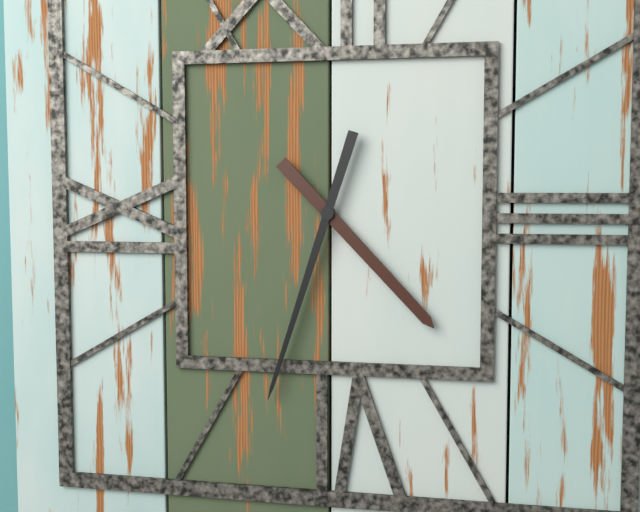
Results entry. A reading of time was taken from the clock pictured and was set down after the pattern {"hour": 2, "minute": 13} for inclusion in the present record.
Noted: {"hour": 4, "minute": 33}
